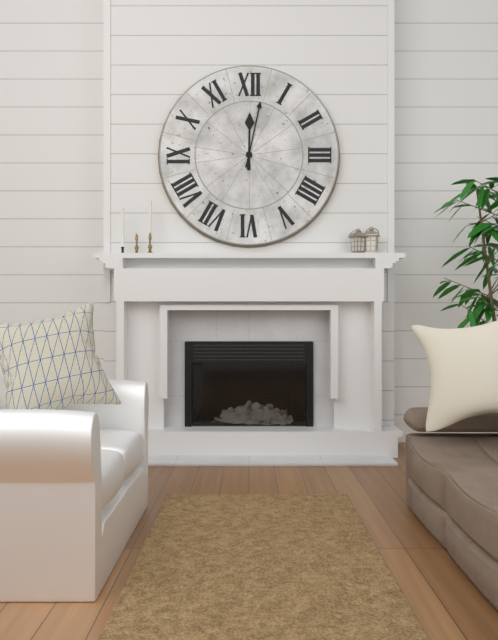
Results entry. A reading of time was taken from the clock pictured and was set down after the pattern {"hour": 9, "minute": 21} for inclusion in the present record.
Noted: {"hour": 12, "minute": 2}
